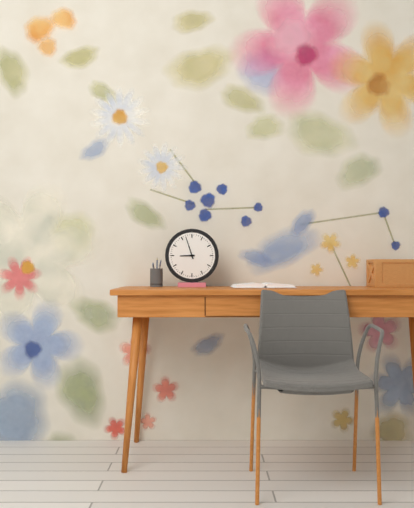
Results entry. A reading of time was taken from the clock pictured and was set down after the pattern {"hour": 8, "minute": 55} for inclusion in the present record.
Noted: {"hour": 8, "minute": 57}
